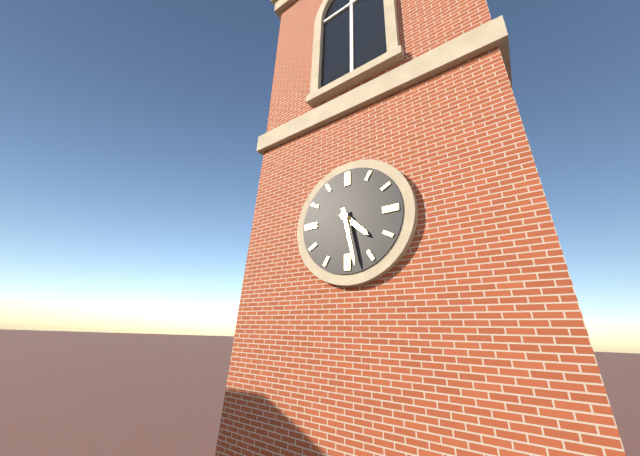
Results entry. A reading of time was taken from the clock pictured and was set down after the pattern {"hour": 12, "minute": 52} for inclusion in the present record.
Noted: {"hour": 4, "minute": 28}
